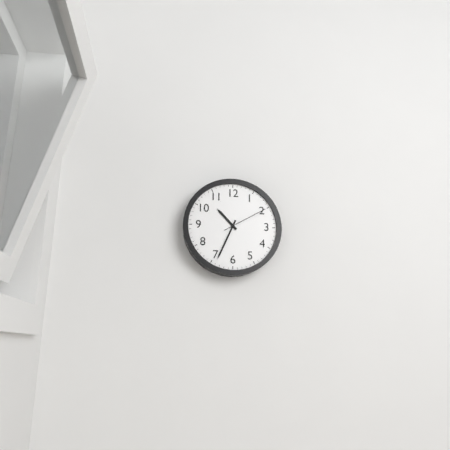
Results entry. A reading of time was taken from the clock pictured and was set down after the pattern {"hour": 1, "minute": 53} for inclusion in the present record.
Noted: {"hour": 10, "minute": 34}
